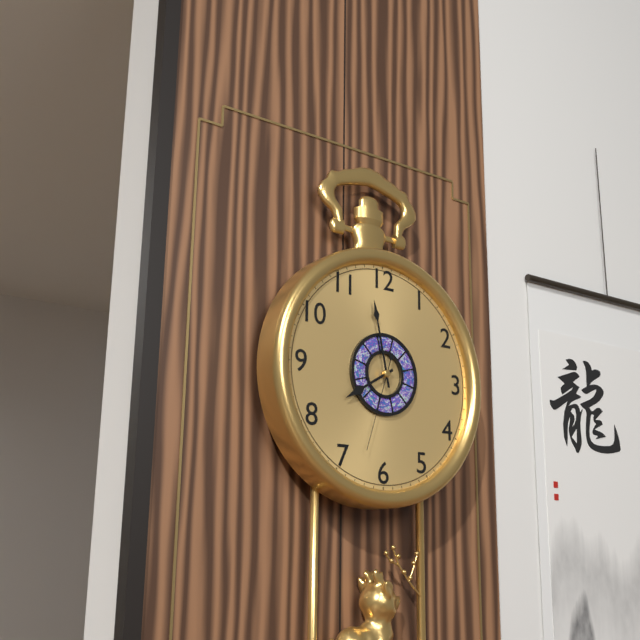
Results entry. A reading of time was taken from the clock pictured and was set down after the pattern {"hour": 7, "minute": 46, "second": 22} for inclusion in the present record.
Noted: {"hour": 7, "minute": 58, "second": 33}
